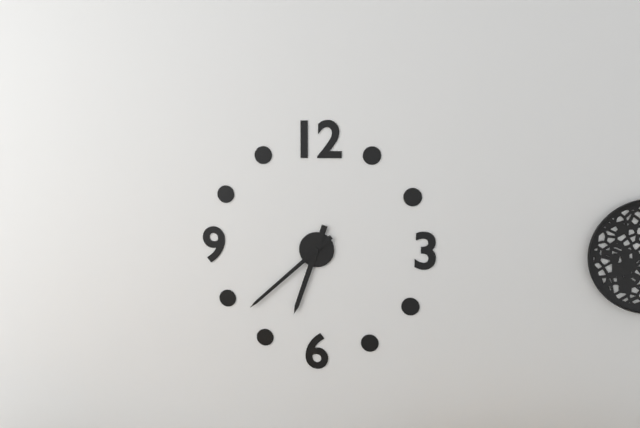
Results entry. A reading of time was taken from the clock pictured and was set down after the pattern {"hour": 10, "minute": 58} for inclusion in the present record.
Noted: {"hour": 6, "minute": 38}
